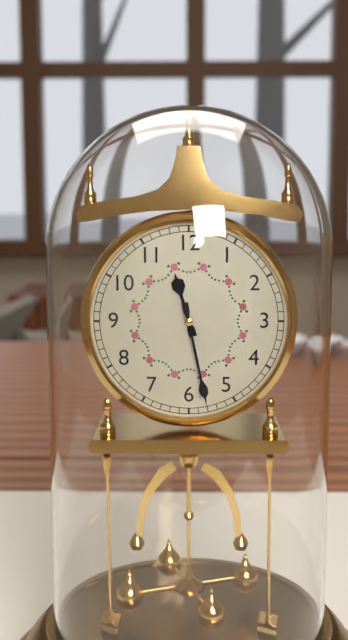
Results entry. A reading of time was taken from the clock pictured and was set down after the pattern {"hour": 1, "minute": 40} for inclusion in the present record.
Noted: {"hour": 11, "minute": 28}
